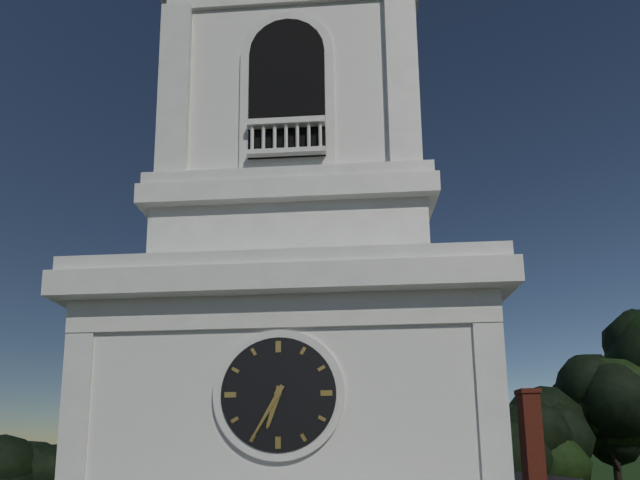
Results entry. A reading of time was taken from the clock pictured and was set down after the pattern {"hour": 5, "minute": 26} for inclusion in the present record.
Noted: {"hour": 6, "minute": 35}
